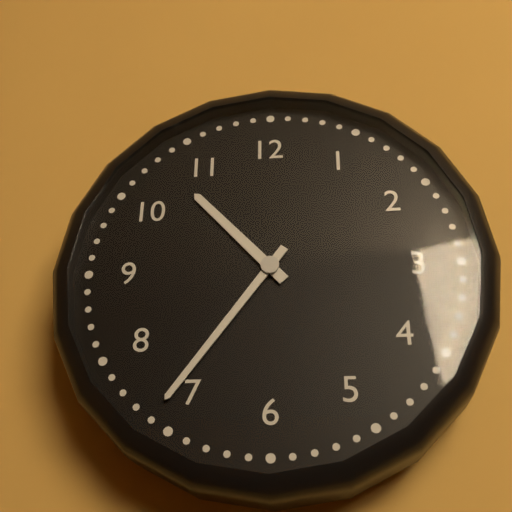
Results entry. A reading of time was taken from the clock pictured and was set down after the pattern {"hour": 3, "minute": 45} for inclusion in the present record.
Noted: {"hour": 10, "minute": 36}
